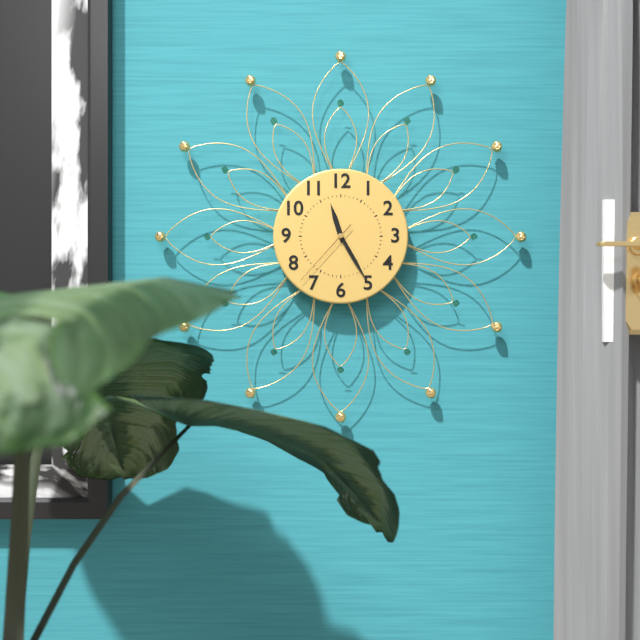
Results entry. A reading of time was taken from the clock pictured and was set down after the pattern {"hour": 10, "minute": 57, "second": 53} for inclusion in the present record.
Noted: {"hour": 11, "minute": 25, "second": 37}
